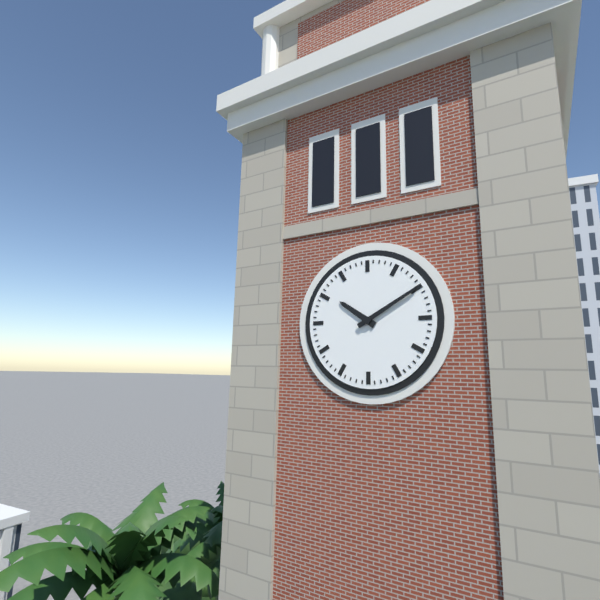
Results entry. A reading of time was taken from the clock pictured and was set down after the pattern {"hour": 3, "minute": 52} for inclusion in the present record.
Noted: {"hour": 10, "minute": 10}
